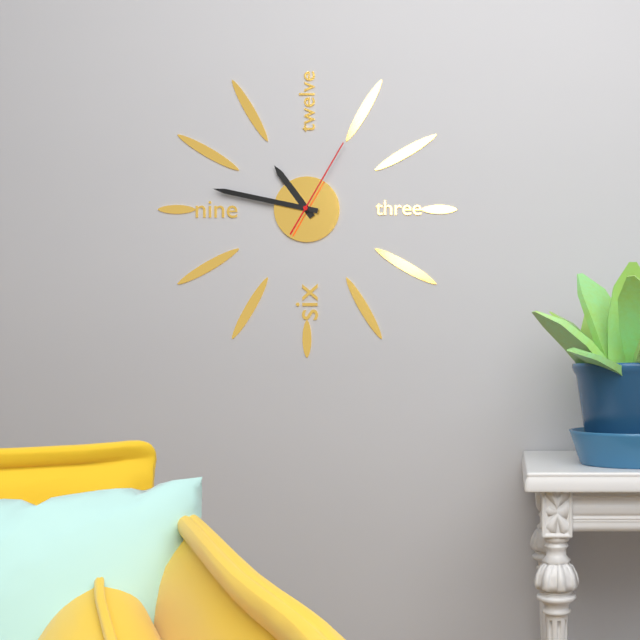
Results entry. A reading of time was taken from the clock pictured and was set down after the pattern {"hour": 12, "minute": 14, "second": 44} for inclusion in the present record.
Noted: {"hour": 10, "minute": 47, "second": 5}
